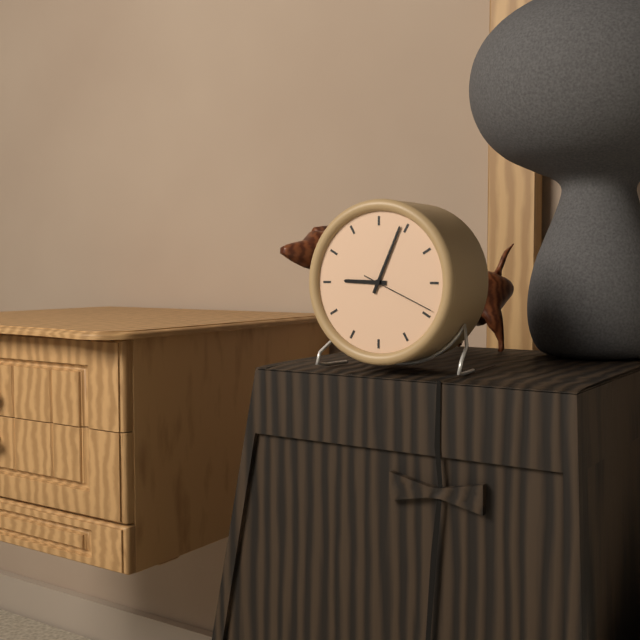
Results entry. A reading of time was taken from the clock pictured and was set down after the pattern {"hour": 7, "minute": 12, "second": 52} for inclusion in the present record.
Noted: {"hour": 9, "minute": 4, "second": 19}
